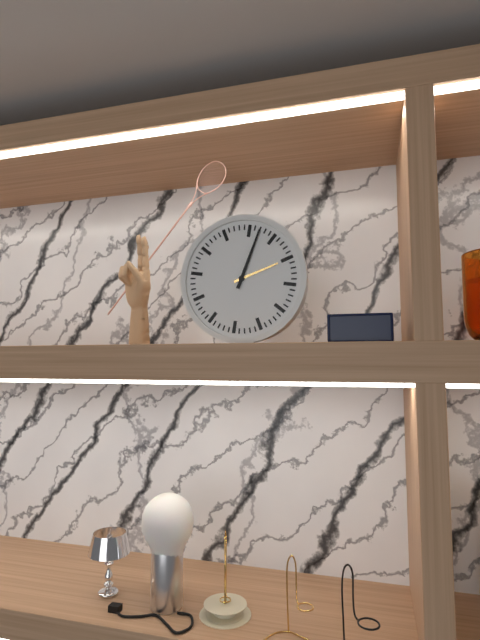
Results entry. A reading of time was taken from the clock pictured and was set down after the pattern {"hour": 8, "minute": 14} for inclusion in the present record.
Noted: {"hour": 2, "minute": 2}
